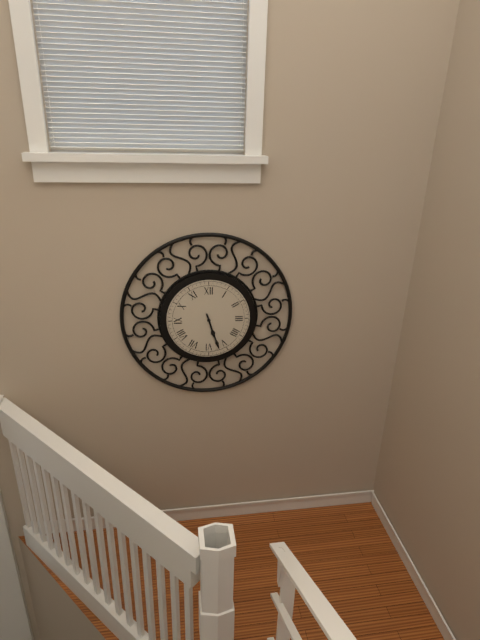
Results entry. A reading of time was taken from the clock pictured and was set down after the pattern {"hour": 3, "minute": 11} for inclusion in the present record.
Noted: {"hour": 5, "minute": 27}
